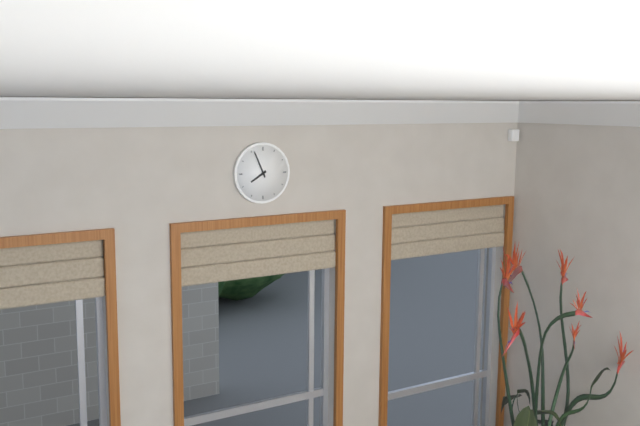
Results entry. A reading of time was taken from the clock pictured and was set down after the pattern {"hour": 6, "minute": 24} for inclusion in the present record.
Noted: {"hour": 7, "minute": 56}
